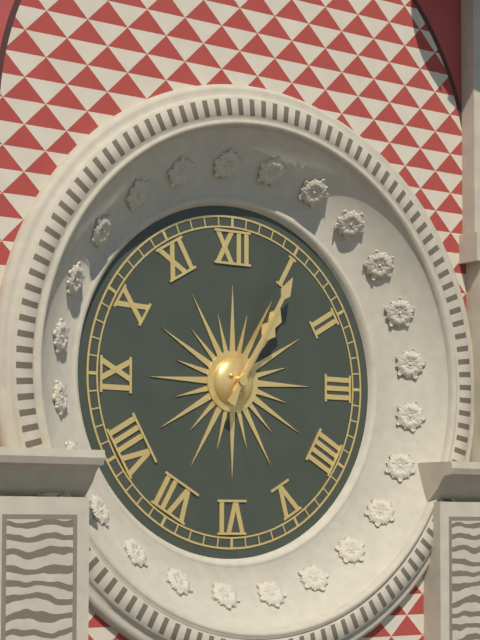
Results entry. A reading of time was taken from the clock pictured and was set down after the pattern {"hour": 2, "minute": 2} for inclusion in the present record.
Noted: {"hour": 1, "minute": 5}
